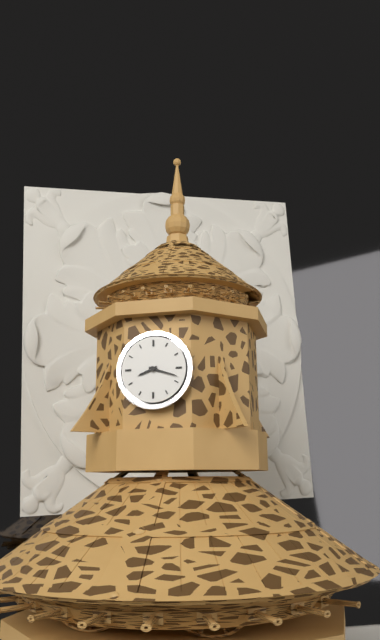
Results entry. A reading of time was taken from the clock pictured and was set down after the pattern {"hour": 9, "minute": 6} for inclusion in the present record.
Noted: {"hour": 8, "minute": 18}
